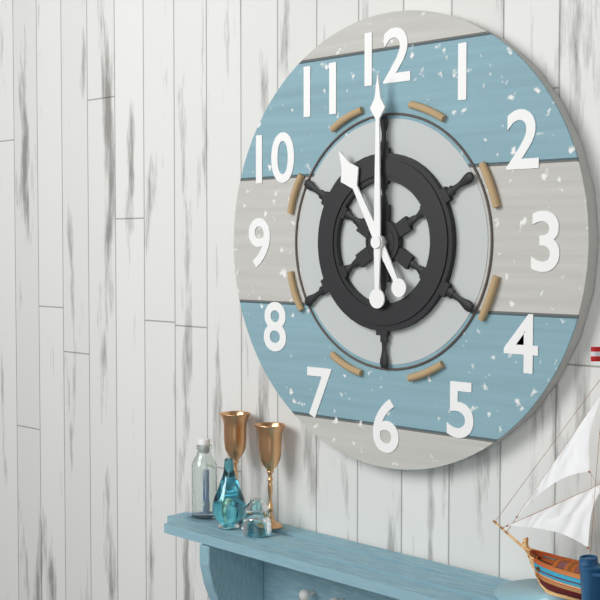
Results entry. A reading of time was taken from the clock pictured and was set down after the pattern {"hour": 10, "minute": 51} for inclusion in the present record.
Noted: {"hour": 11, "minute": 0}
